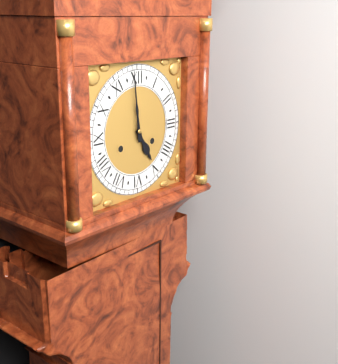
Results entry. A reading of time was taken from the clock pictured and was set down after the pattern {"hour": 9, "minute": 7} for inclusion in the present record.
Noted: {"hour": 4, "minute": 59}
